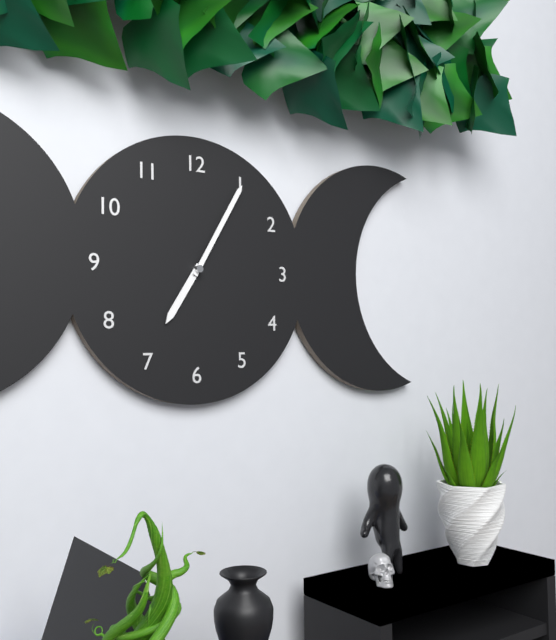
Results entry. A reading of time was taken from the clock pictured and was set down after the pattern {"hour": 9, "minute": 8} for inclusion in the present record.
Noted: {"hour": 7, "minute": 5}
